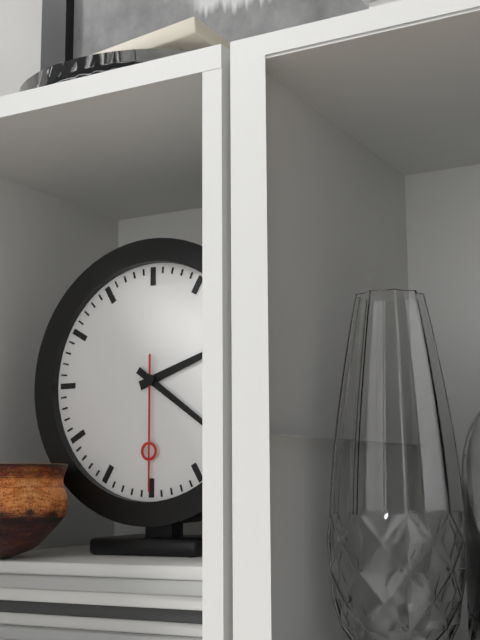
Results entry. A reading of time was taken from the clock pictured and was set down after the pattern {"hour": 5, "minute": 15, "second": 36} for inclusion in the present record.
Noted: {"hour": 2, "minute": 21, "second": 30}
